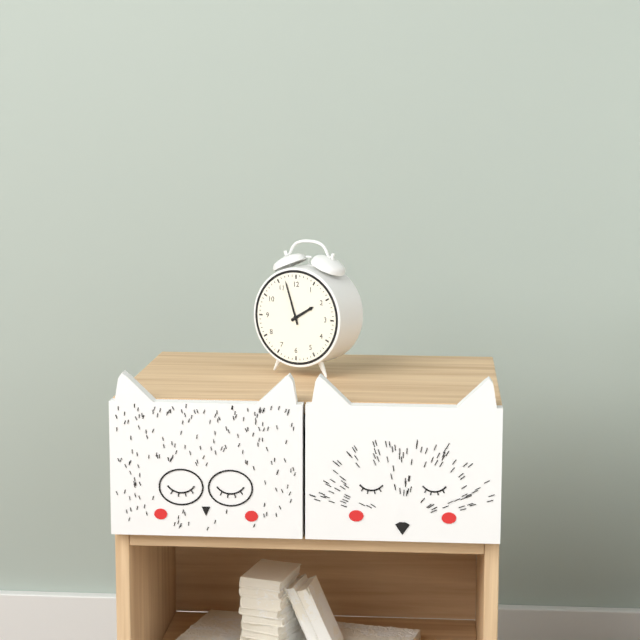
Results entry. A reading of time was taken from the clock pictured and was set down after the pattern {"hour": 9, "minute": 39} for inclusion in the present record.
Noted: {"hour": 1, "minute": 57}
